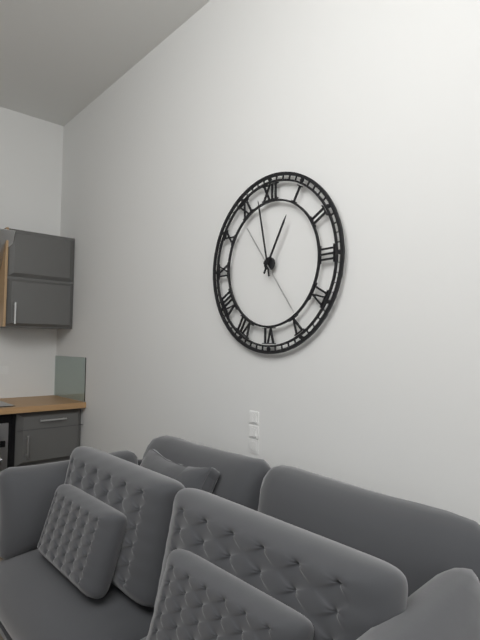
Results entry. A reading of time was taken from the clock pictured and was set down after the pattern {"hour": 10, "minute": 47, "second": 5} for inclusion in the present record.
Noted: {"hour": 12, "minute": 58, "second": 24}
